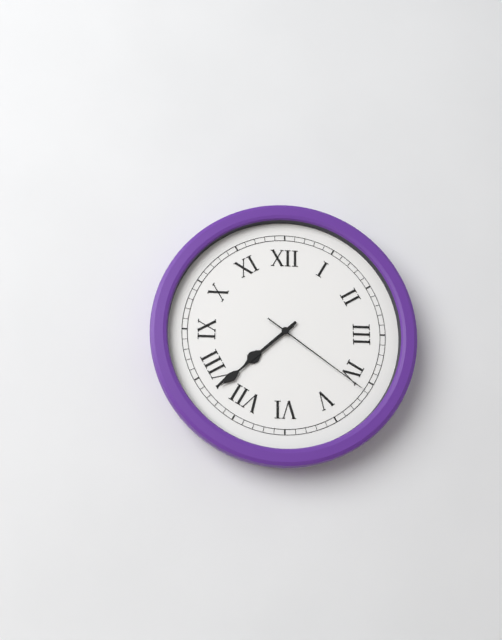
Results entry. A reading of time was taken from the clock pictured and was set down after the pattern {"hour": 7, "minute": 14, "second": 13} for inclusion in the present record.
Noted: {"hour": 7, "minute": 38, "second": 21}
